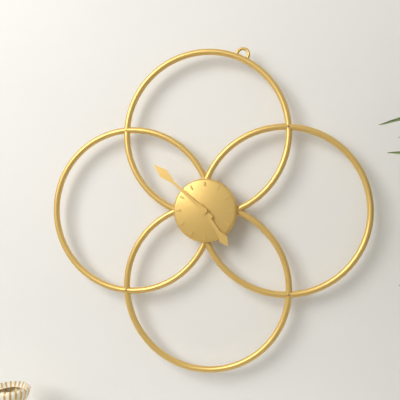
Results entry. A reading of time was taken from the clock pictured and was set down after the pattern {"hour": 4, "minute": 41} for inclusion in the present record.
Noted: {"hour": 4, "minute": 52}
